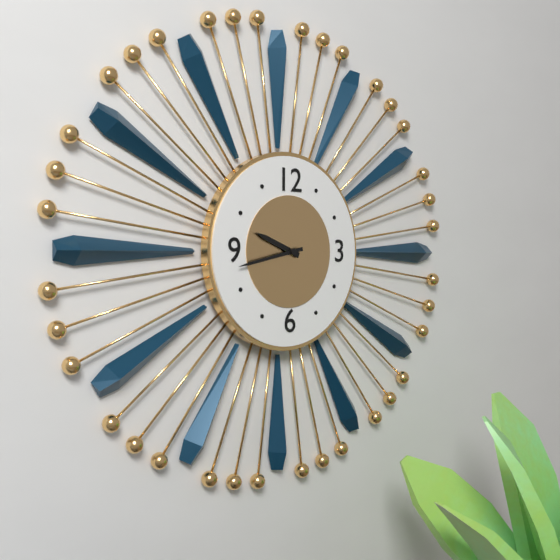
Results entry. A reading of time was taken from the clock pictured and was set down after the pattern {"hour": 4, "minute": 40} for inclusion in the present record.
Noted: {"hour": 9, "minute": 43}
